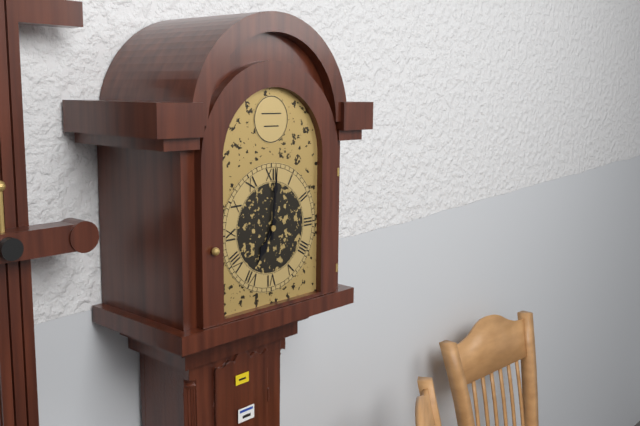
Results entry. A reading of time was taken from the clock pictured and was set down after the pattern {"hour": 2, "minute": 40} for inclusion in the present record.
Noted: {"hour": 7, "minute": 1}
